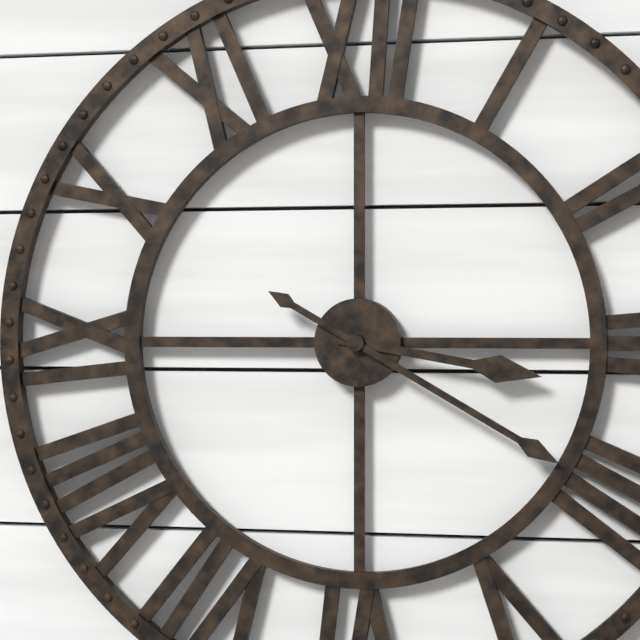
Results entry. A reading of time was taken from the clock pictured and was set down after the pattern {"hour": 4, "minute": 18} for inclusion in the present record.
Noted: {"hour": 3, "minute": 20}
